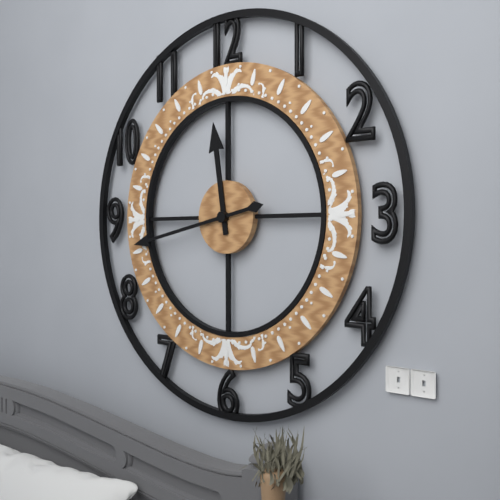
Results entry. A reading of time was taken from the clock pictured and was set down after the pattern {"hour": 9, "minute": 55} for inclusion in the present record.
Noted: {"hour": 11, "minute": 43}
